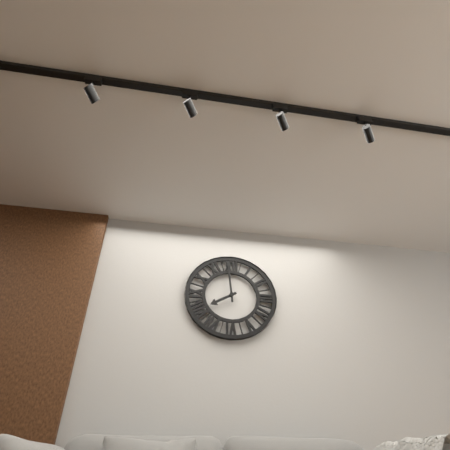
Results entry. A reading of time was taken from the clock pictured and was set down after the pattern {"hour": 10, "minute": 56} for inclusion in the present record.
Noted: {"hour": 7, "minute": 59}
